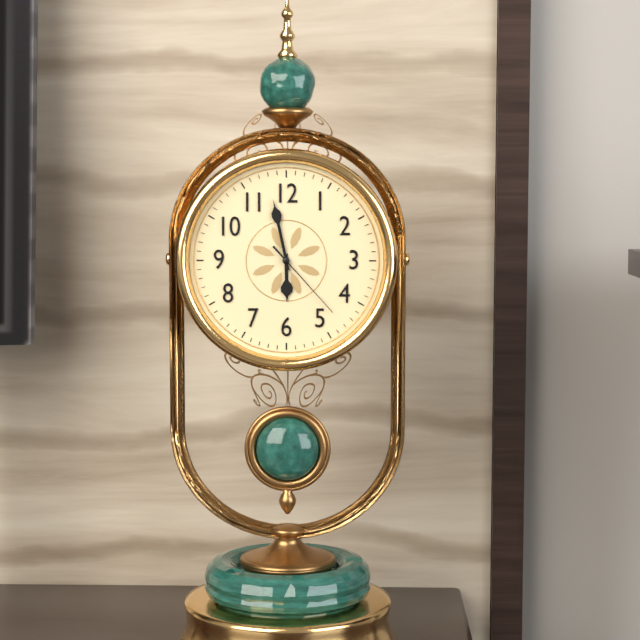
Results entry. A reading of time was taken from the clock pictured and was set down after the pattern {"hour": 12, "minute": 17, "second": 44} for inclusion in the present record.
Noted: {"hour": 5, "minute": 58, "second": 23}
